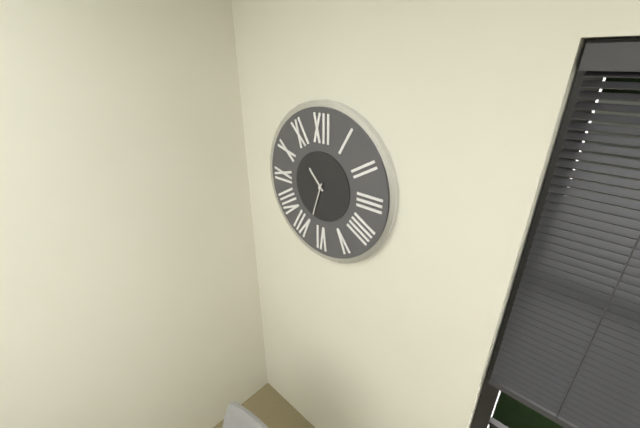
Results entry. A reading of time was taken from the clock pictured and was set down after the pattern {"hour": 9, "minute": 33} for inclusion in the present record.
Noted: {"hour": 10, "minute": 33}
